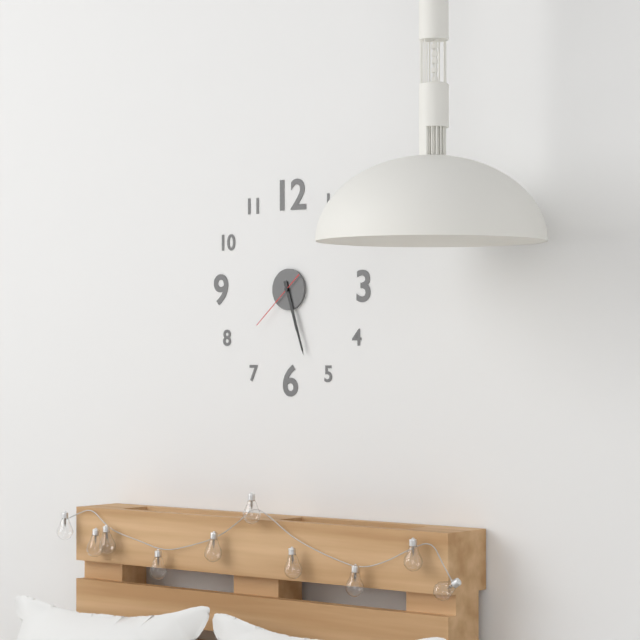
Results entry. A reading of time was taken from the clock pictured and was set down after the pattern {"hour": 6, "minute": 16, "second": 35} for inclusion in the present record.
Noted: {"hour": 5, "minute": 27, "second": 38}
